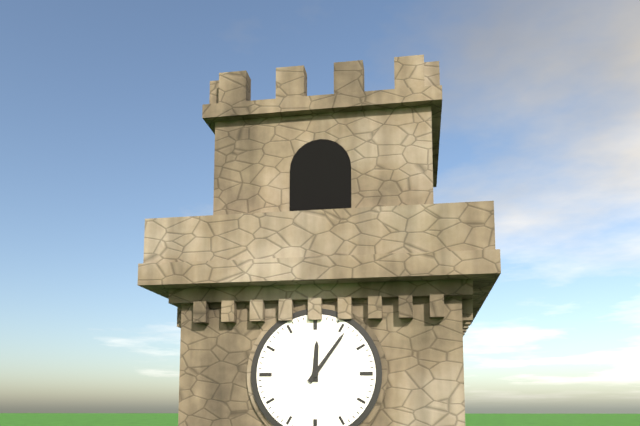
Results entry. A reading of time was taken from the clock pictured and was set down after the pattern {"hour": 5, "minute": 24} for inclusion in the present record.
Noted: {"hour": 12, "minute": 6}
